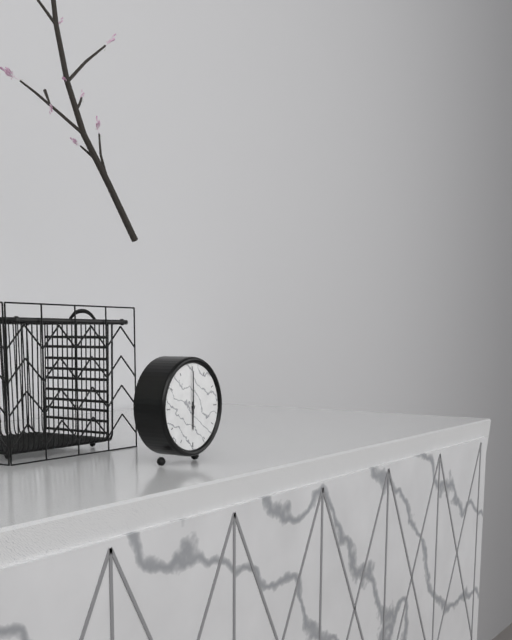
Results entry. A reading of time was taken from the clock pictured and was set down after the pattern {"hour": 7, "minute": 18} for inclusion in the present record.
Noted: {"hour": 6, "minute": 0}
